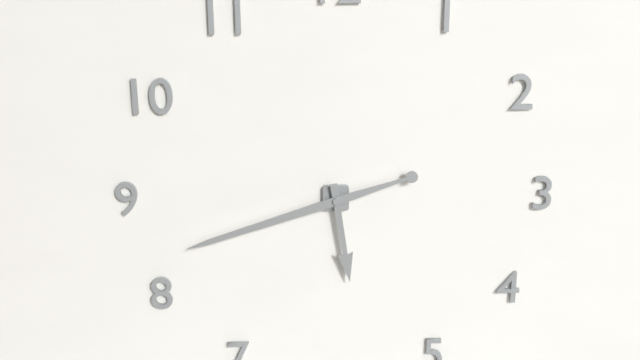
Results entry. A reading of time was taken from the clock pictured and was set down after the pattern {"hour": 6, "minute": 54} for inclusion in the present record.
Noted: {"hour": 5, "minute": 42}
